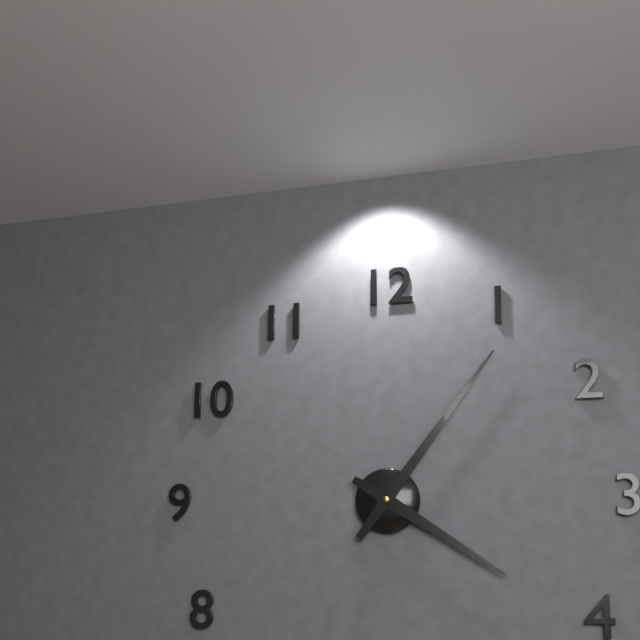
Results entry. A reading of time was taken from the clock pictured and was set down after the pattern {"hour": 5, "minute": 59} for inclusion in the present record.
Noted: {"hour": 4, "minute": 6}
